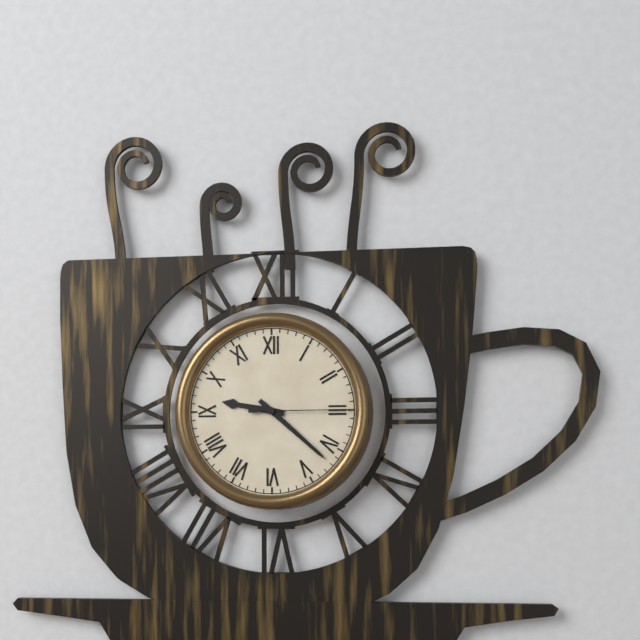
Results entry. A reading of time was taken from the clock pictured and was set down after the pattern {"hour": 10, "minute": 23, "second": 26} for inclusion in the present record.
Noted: {"hour": 9, "minute": 22, "second": 15}
